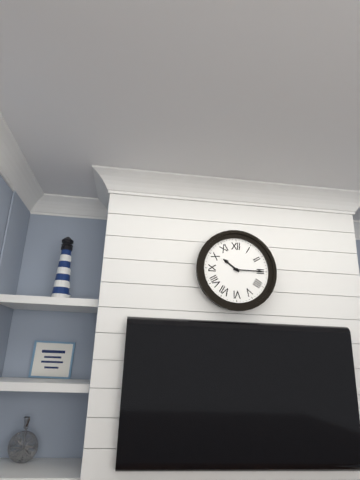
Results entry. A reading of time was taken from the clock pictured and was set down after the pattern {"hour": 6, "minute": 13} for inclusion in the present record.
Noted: {"hour": 10, "minute": 15}
